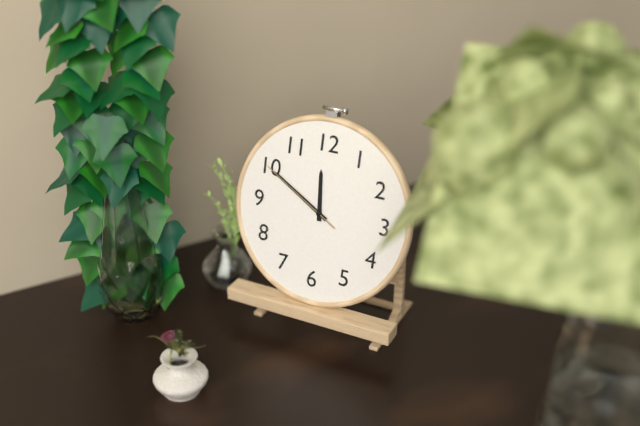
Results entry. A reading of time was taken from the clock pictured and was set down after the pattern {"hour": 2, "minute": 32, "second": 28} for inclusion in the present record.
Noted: {"hour": 11, "minute": 50, "second": 50}
